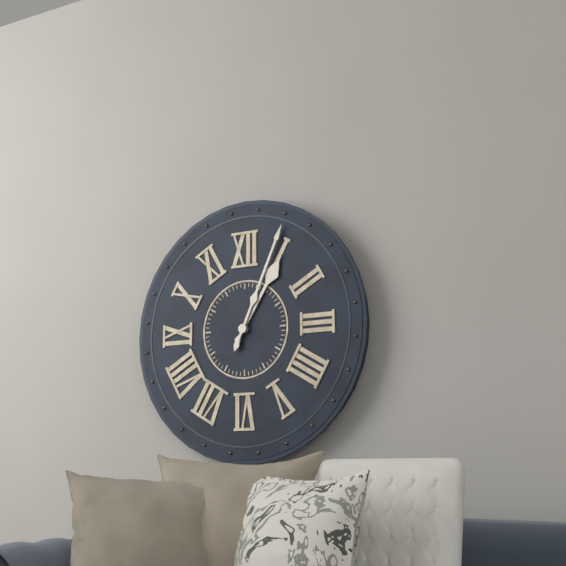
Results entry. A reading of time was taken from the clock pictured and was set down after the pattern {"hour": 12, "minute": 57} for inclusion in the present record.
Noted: {"hour": 1, "minute": 4}
